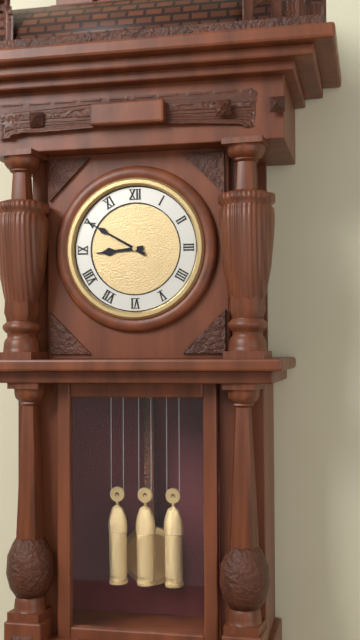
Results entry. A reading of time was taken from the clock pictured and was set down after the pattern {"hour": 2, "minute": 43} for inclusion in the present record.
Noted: {"hour": 8, "minute": 50}
